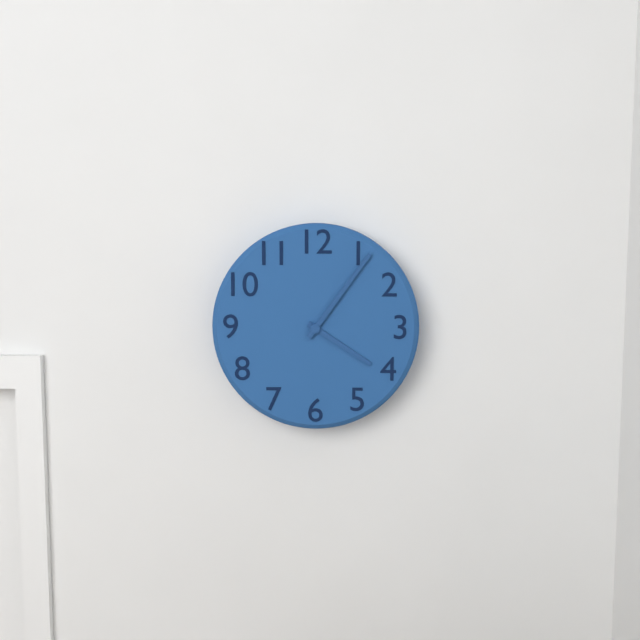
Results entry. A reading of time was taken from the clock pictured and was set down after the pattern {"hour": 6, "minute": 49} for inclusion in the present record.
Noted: {"hour": 4, "minute": 6}
